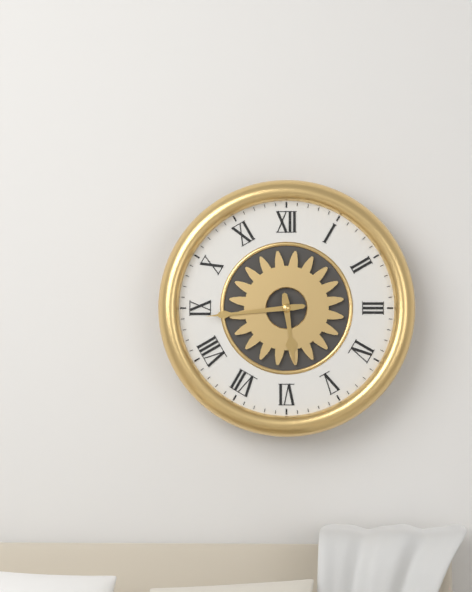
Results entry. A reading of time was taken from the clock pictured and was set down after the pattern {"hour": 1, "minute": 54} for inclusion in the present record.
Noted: {"hour": 5, "minute": 44}
